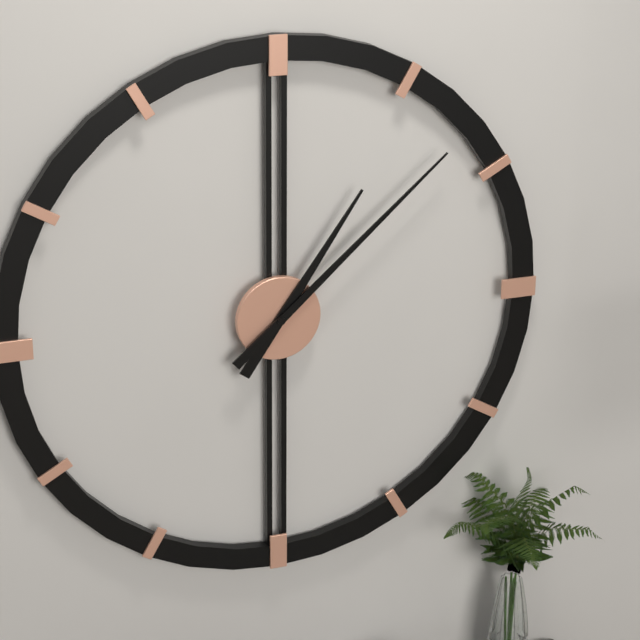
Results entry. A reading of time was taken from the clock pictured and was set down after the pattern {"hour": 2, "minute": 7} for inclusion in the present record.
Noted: {"hour": 1, "minute": 8}
